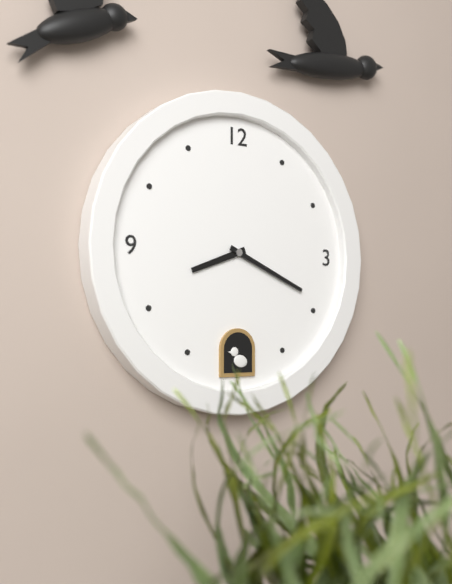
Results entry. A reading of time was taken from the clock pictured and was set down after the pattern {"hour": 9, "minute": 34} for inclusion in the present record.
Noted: {"hour": 8, "minute": 19}
